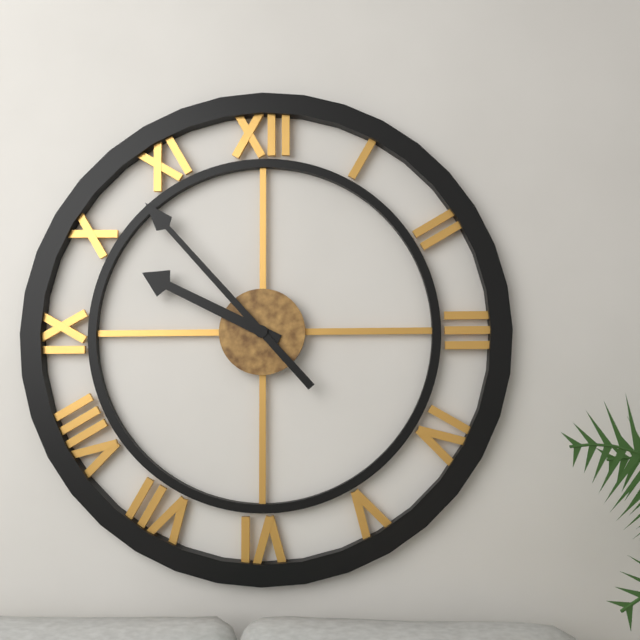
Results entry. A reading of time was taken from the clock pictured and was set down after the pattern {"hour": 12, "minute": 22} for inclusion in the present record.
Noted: {"hour": 9, "minute": 53}
